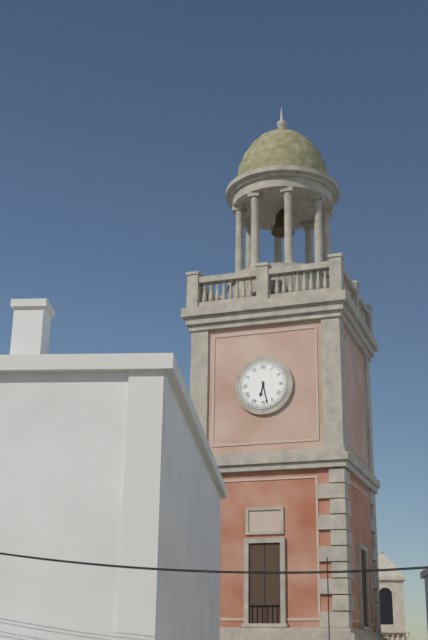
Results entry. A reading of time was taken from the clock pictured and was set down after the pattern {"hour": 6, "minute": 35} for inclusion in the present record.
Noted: {"hour": 6, "minute": 28}
